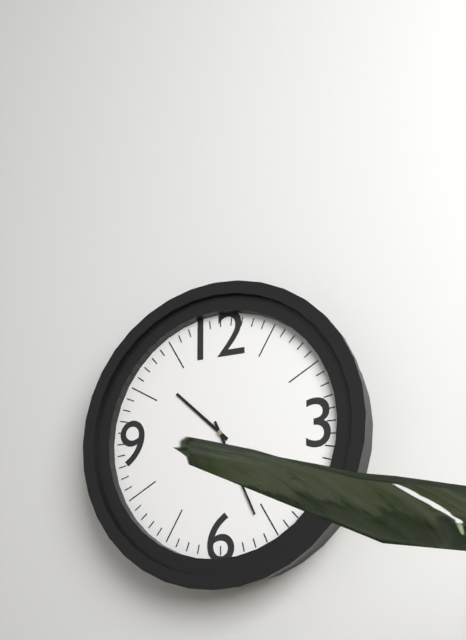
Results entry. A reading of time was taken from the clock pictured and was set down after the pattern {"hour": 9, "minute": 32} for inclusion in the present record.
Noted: {"hour": 10, "minute": 26}
